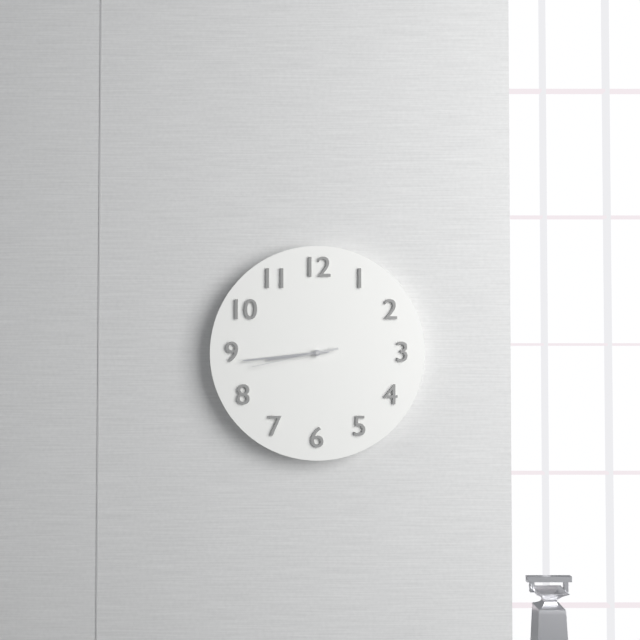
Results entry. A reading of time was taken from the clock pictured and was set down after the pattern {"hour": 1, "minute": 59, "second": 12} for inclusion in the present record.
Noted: {"hour": 8, "minute": 44, "second": 43}
